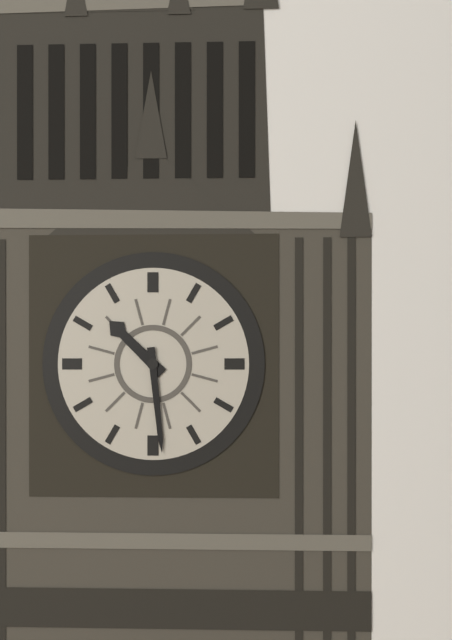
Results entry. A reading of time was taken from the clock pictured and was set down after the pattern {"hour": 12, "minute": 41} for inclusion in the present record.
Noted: {"hour": 10, "minute": 29}
